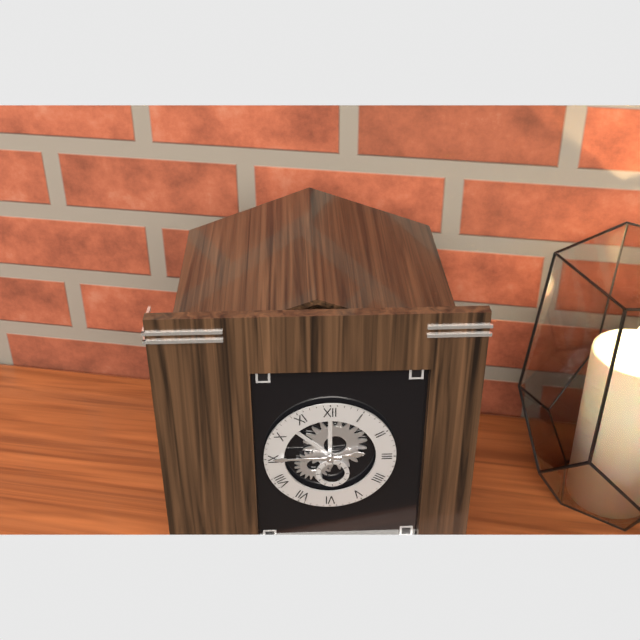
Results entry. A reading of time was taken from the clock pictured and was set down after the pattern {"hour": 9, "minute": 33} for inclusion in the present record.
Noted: {"hour": 2, "minute": 45}
